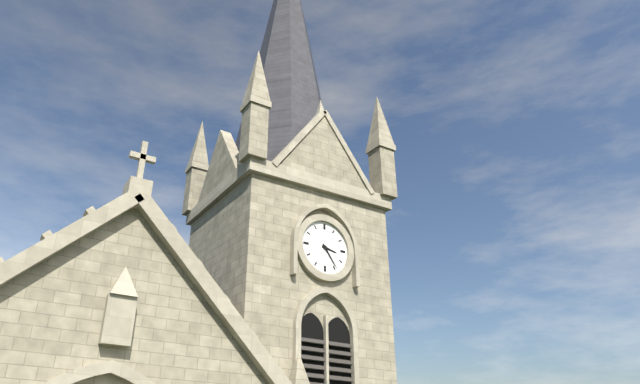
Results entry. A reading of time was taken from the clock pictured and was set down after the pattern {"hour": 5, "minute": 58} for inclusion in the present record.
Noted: {"hour": 3, "minute": 24}
